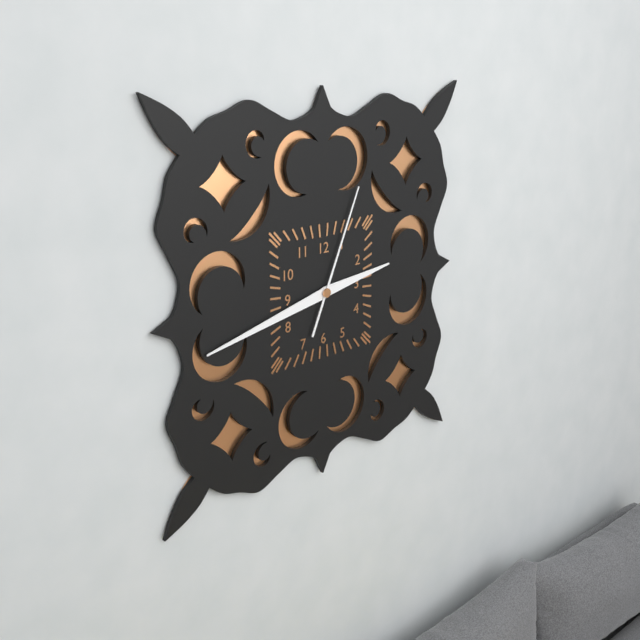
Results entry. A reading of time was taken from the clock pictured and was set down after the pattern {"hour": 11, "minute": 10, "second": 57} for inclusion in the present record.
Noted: {"hour": 2, "minute": 43, "second": 4}
